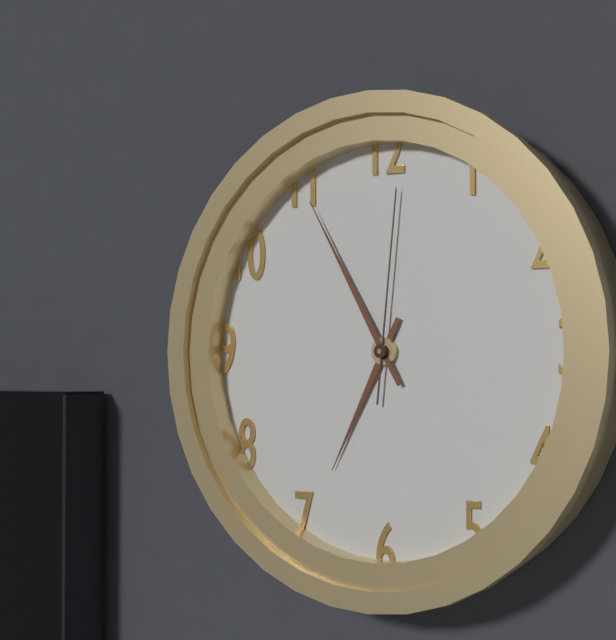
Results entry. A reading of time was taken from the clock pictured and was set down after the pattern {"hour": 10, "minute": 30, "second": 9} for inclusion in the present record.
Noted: {"hour": 6, "minute": 55, "second": 1}
